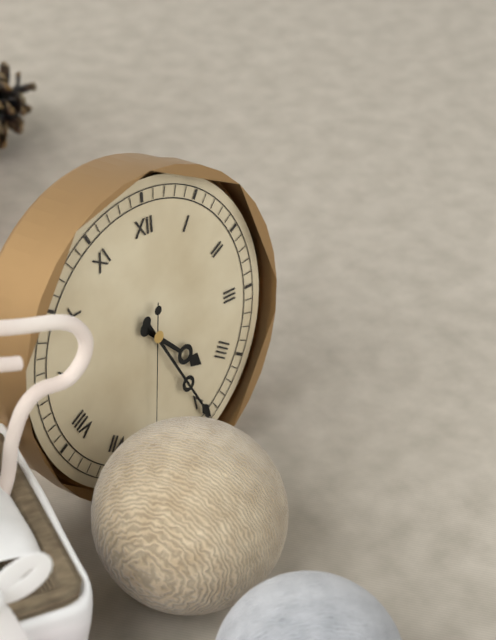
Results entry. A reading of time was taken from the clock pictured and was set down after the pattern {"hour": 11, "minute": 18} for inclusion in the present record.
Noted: {"hour": 4, "minute": 25}
